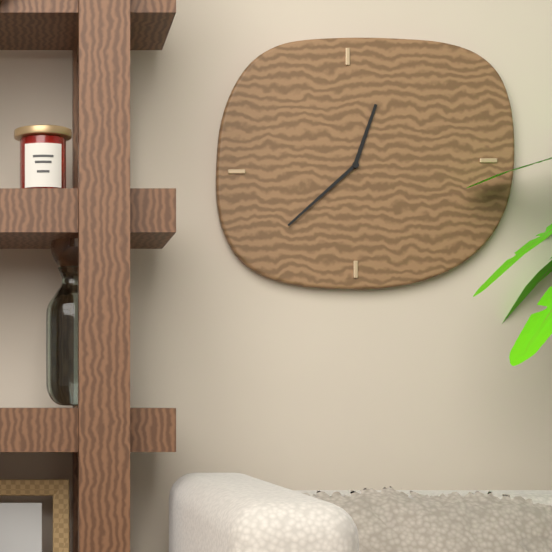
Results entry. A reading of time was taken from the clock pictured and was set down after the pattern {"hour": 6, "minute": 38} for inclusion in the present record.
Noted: {"hour": 12, "minute": 38}
